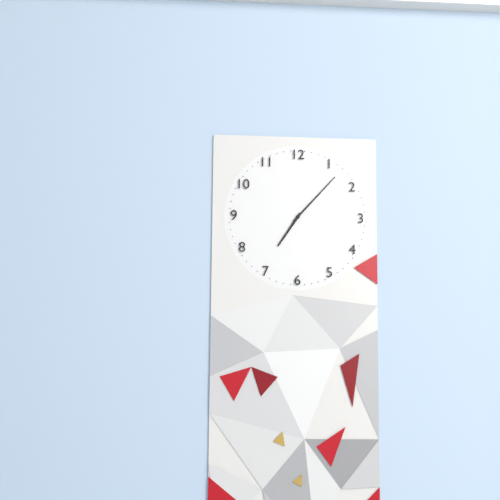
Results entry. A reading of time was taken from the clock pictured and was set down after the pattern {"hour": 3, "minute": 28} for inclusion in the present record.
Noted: {"hour": 7, "minute": 7}
